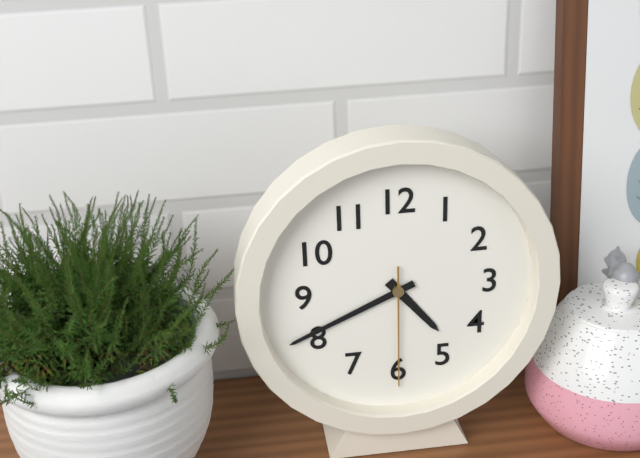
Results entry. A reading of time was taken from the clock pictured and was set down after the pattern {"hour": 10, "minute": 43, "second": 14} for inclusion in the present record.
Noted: {"hour": 4, "minute": 41, "second": 30}
